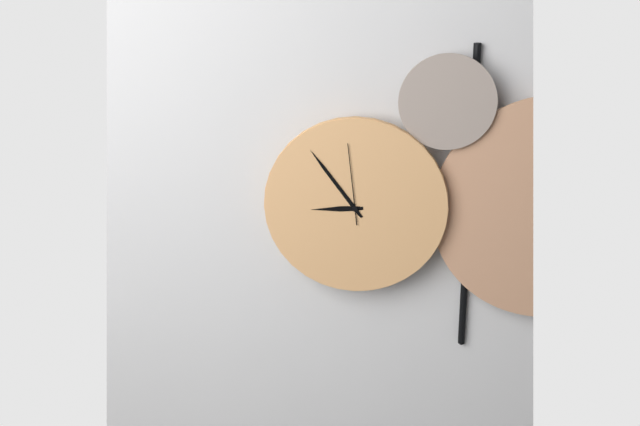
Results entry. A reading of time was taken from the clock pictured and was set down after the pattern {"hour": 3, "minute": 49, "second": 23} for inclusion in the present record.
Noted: {"hour": 8, "minute": 54, "second": 59}
